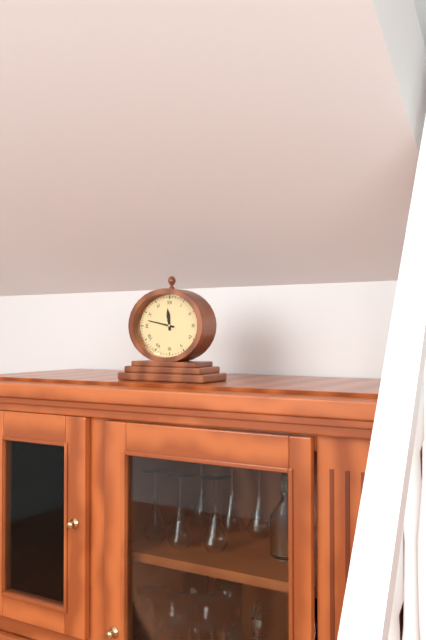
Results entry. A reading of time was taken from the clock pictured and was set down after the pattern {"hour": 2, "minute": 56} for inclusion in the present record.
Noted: {"hour": 11, "minute": 47}
